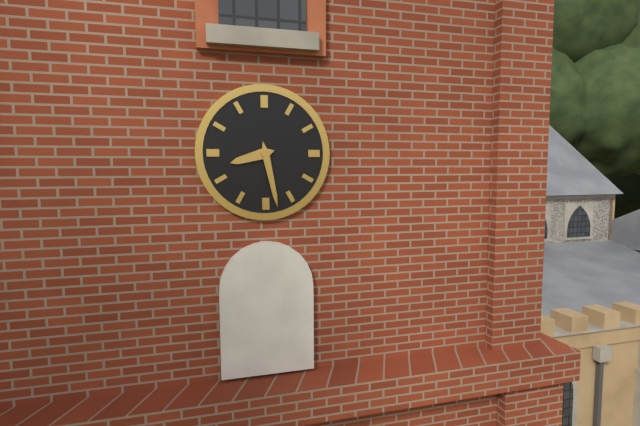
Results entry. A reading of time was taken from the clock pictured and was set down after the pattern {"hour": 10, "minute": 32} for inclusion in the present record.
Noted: {"hour": 8, "minute": 28}
